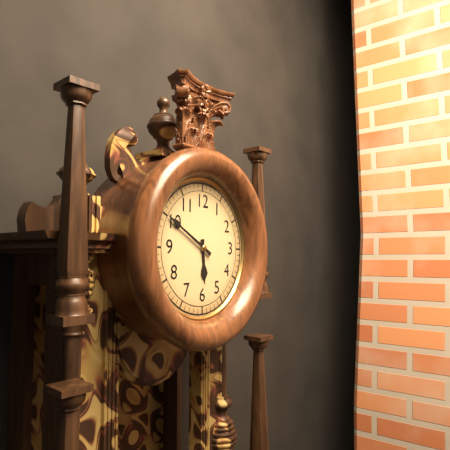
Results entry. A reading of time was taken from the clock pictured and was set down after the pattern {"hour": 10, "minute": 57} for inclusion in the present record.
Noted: {"hour": 5, "minute": 50}
